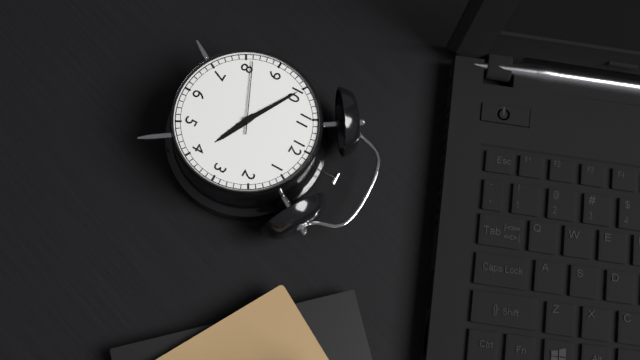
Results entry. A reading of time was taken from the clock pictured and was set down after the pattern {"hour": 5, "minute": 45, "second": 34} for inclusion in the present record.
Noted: {"hour": 3, "minute": 50, "second": 41}
